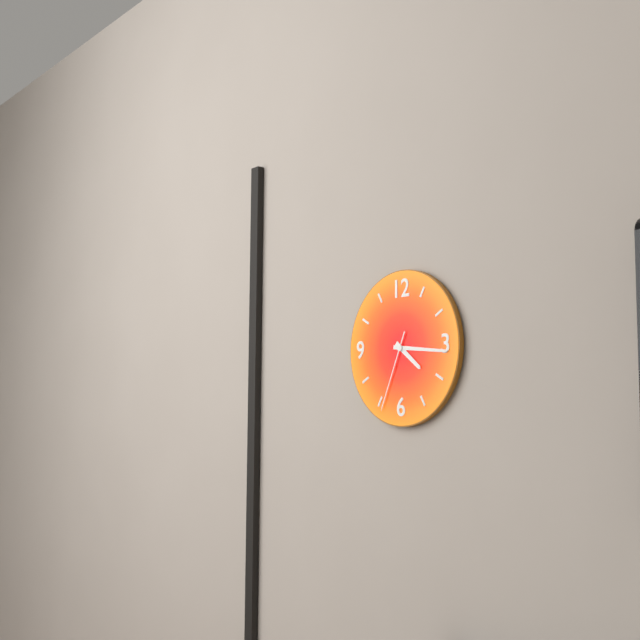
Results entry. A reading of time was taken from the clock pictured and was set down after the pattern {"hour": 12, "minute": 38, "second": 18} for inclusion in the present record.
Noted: {"hour": 4, "minute": 16, "second": 34}
